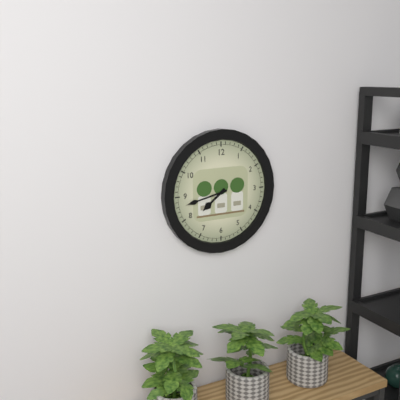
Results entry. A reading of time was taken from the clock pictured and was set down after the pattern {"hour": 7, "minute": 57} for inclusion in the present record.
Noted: {"hour": 7, "minute": 43}
